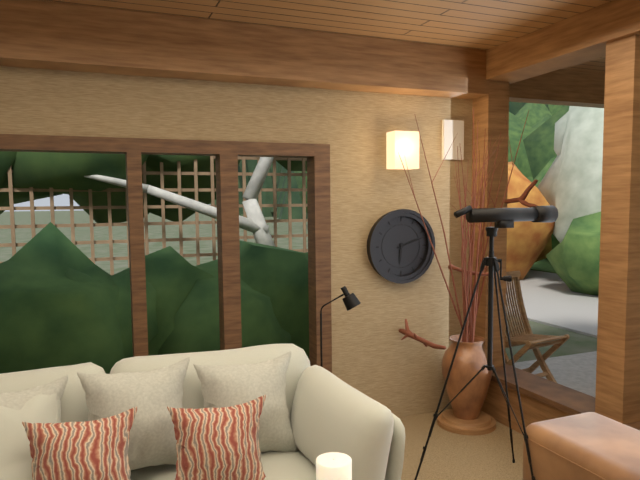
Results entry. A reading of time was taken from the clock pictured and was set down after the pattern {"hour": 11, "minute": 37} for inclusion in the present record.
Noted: {"hour": 6, "minute": 12}
